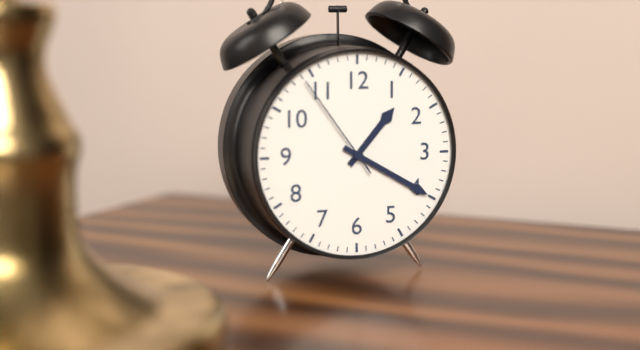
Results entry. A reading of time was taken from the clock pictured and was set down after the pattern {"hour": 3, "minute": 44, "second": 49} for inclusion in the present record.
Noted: {"hour": 1, "minute": 20, "second": 54}
